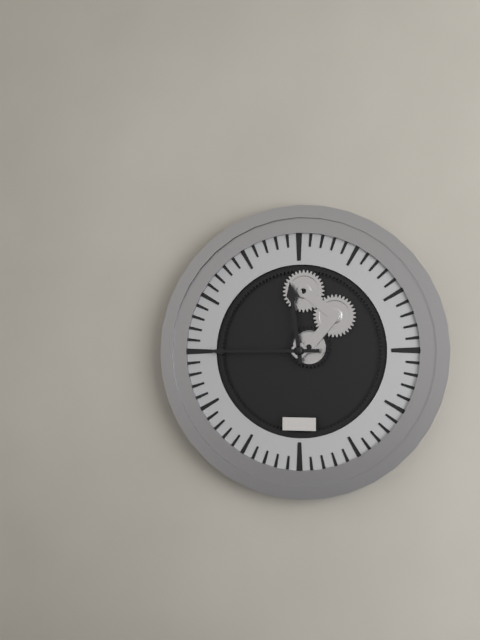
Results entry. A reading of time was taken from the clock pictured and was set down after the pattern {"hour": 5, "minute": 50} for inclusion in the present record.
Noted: {"hour": 11, "minute": 45}
